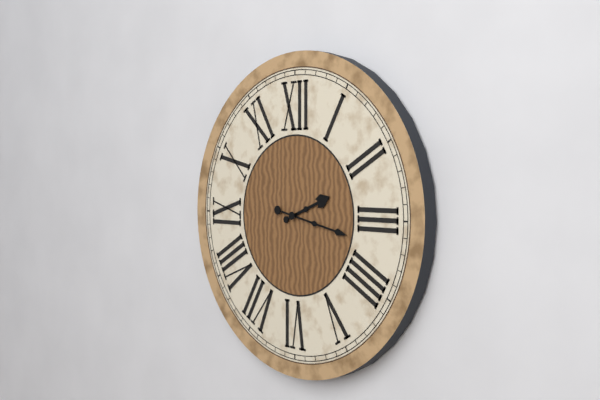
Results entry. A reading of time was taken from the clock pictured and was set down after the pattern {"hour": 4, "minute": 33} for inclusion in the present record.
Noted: {"hour": 2, "minute": 17}
